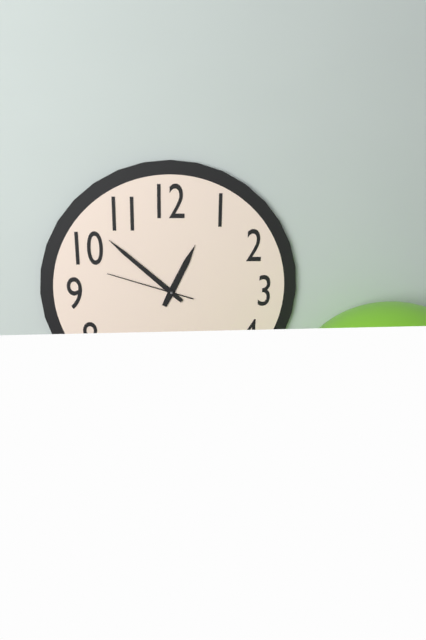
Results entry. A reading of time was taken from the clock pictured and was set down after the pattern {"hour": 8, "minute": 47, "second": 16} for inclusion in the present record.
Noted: {"hour": 12, "minute": 52, "second": 48}
